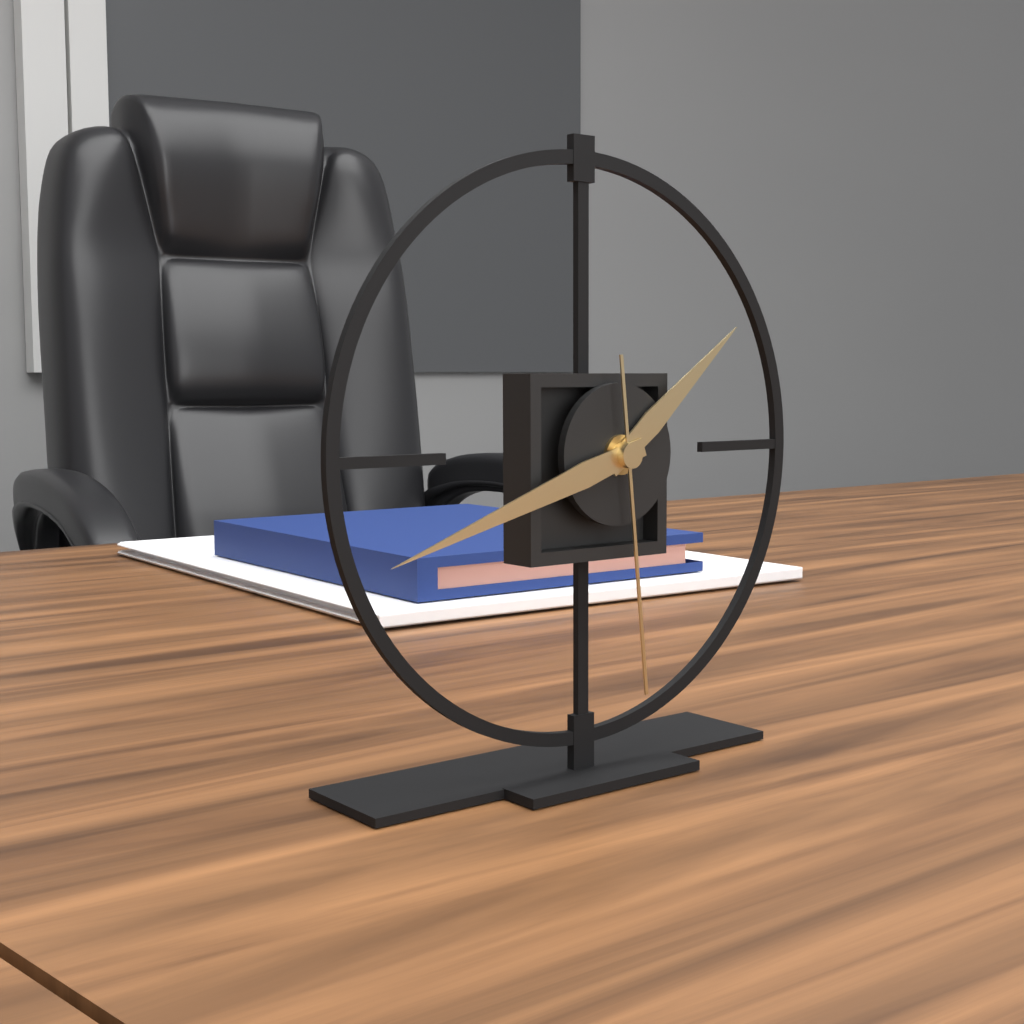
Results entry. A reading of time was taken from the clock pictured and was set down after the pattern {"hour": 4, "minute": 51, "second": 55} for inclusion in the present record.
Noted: {"hour": 1, "minute": 42, "second": 29}
